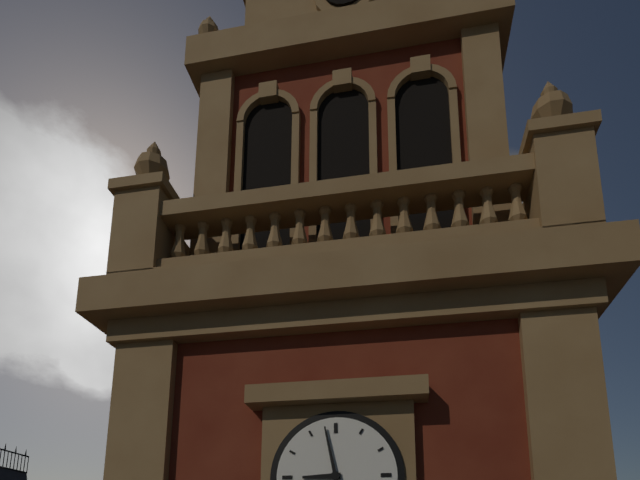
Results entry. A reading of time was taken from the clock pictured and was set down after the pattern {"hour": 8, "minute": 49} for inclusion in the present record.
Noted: {"hour": 8, "minute": 58}
